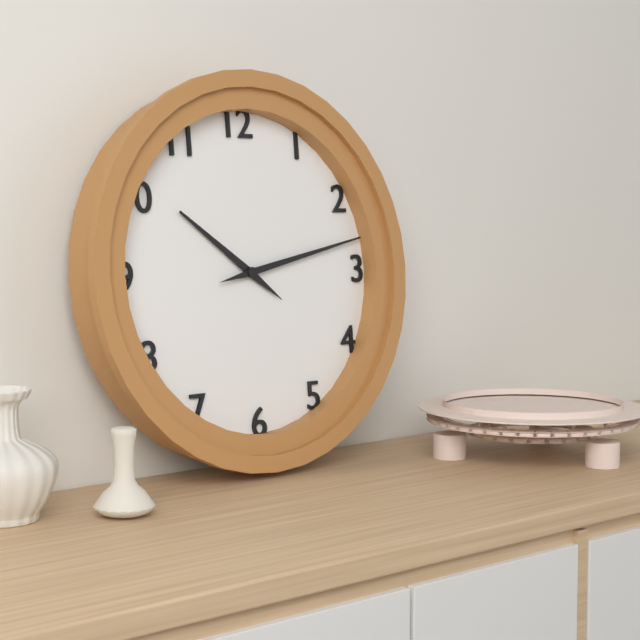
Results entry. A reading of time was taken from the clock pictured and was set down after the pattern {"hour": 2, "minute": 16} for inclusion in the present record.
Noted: {"hour": 10, "minute": 13}
